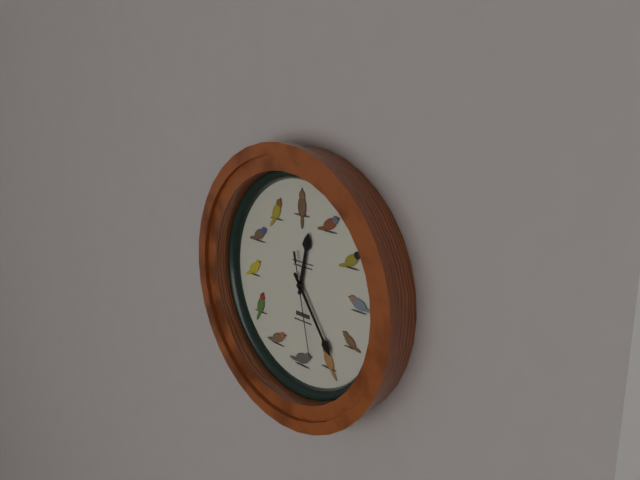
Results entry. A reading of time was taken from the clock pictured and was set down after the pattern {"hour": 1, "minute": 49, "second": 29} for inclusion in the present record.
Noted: {"hour": 12, "minute": 24, "second": 28}
